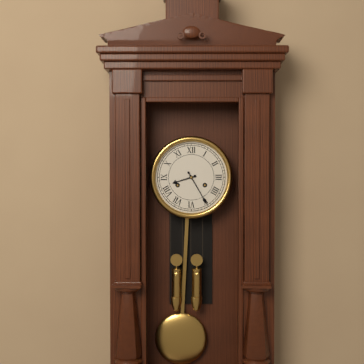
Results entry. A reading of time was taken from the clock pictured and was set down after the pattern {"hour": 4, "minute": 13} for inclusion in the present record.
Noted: {"hour": 8, "minute": 25}
